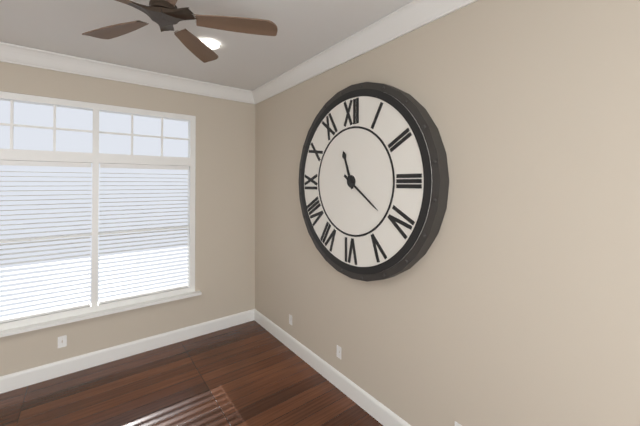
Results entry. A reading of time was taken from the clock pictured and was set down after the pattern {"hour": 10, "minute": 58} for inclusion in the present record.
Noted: {"hour": 11, "minute": 21}
